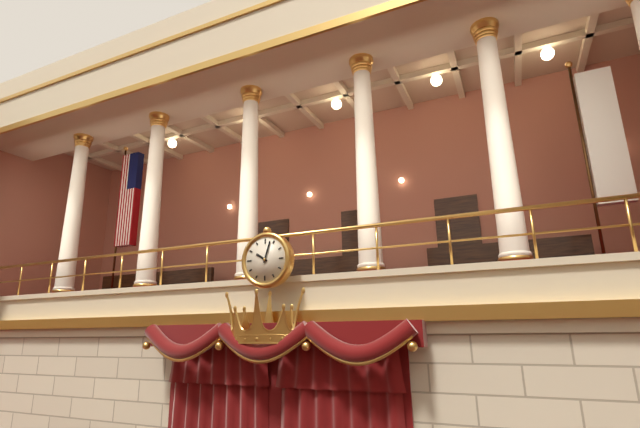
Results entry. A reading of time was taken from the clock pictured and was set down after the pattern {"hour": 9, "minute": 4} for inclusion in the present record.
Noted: {"hour": 10, "minute": 3}
